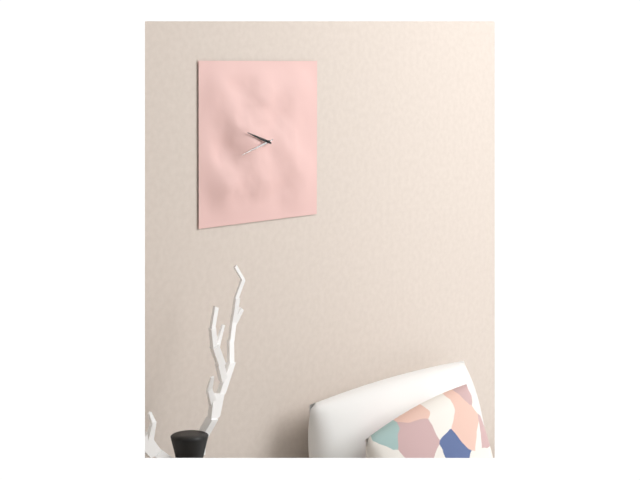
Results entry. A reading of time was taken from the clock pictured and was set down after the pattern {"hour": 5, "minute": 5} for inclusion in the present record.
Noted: {"hour": 9, "minute": 42}
